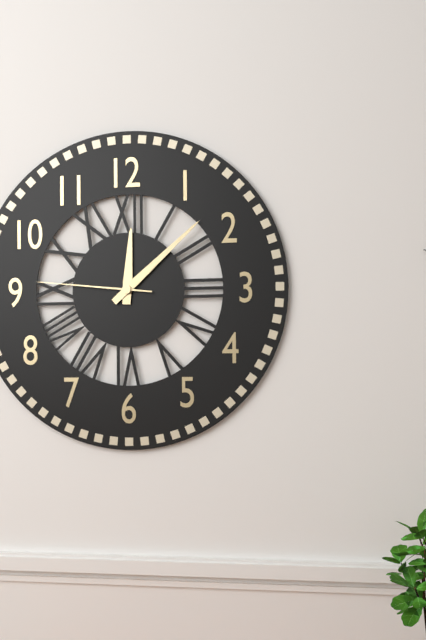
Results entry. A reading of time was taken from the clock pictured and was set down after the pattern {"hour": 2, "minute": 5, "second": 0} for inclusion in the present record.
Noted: {"hour": 12, "minute": 8, "second": 46}
